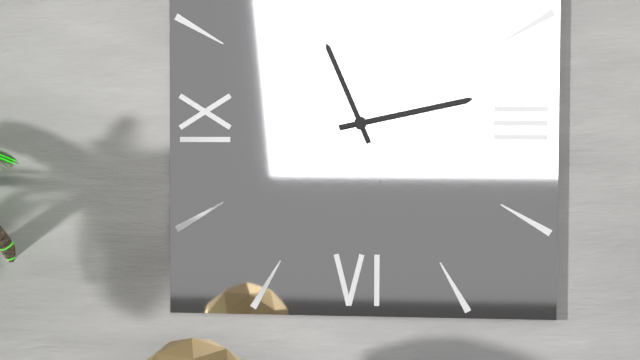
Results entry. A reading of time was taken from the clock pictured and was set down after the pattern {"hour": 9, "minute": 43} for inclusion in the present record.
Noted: {"hour": 11, "minute": 13}
